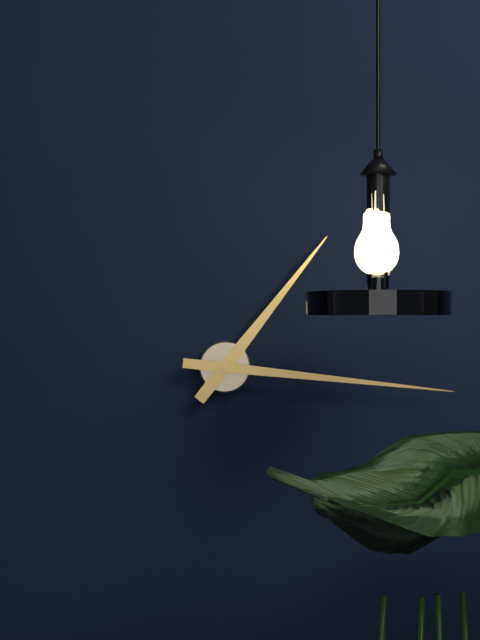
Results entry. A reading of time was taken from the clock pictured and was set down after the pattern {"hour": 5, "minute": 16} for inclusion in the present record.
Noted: {"hour": 1, "minute": 16}
